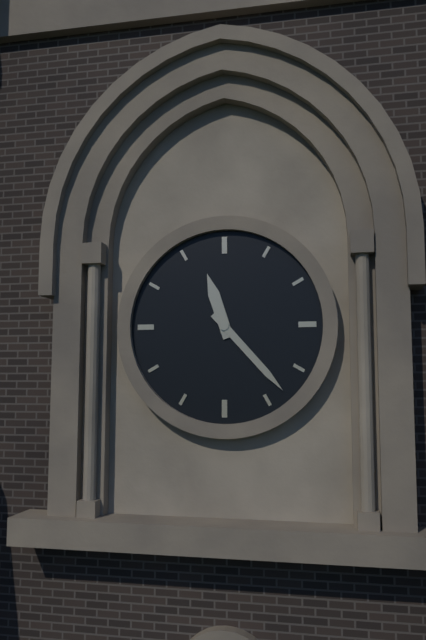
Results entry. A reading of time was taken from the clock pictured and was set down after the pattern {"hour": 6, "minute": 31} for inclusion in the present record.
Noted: {"hour": 11, "minute": 23}
